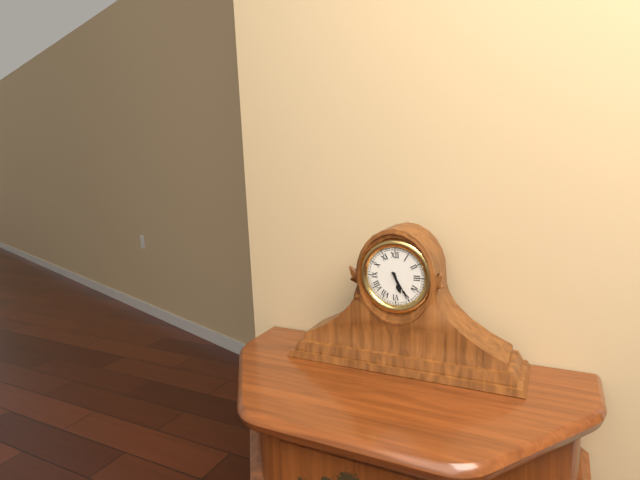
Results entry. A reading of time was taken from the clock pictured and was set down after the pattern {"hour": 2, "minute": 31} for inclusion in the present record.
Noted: {"hour": 5, "minute": 25}
